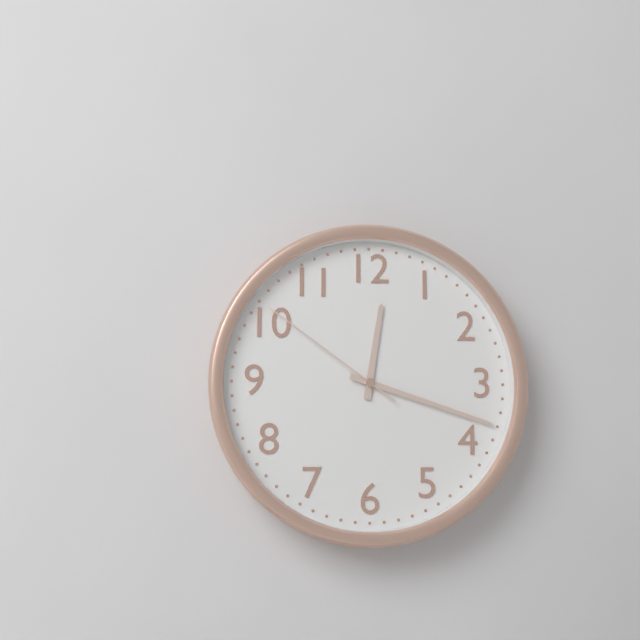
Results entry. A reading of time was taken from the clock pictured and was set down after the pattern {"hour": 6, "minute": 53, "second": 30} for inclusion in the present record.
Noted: {"hour": 12, "minute": 18, "second": 51}
